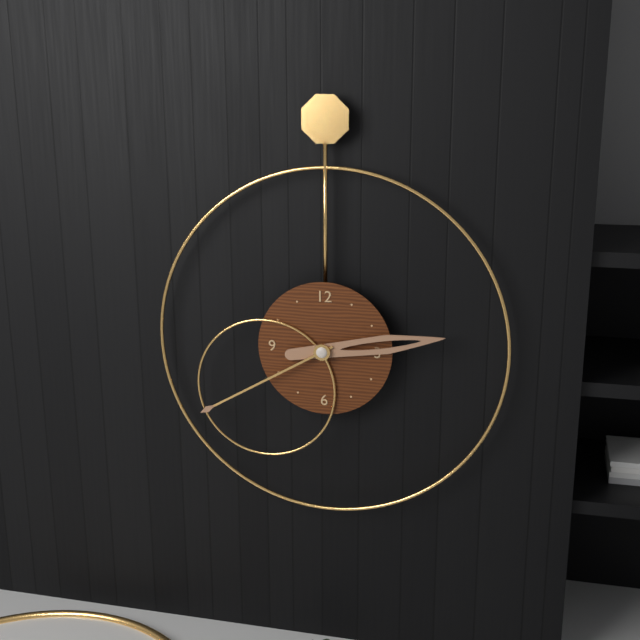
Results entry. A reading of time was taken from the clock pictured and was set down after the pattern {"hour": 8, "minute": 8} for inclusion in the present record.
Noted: {"hour": 2, "minute": 40}
